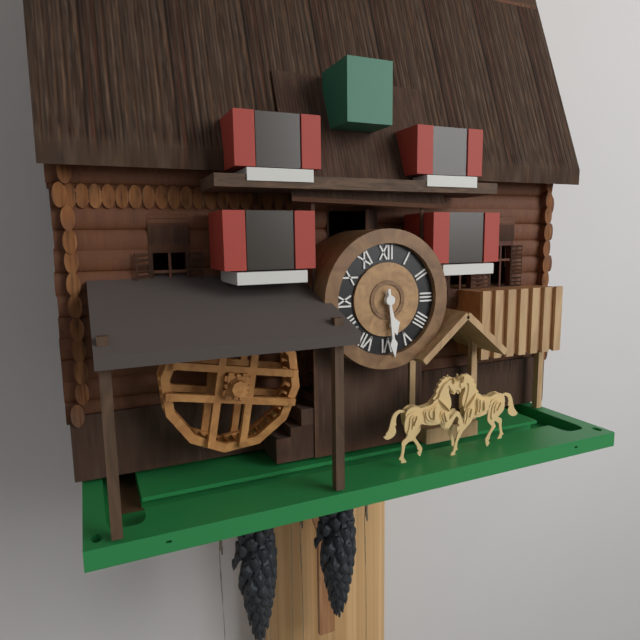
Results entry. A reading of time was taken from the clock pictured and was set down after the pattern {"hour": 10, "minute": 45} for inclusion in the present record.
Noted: {"hour": 5, "minute": 29}
